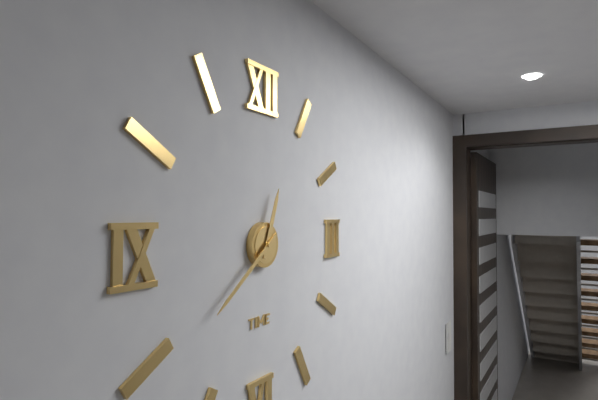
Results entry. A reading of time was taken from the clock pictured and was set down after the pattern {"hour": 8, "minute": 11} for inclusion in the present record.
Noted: {"hour": 12, "minute": 39}
